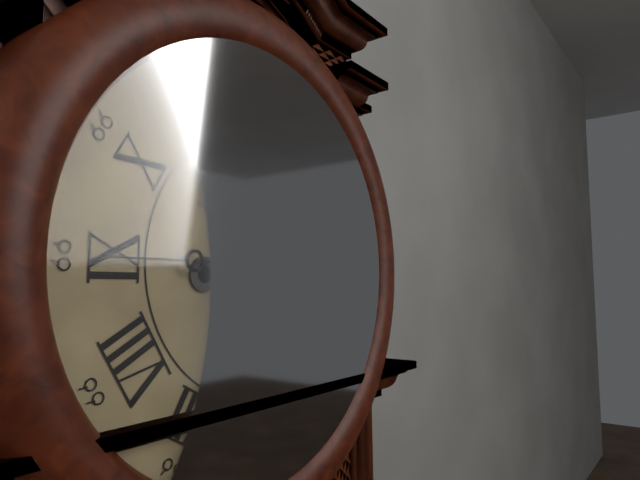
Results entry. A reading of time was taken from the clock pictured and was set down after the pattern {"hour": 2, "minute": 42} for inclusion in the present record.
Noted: {"hour": 1, "minute": 45}
